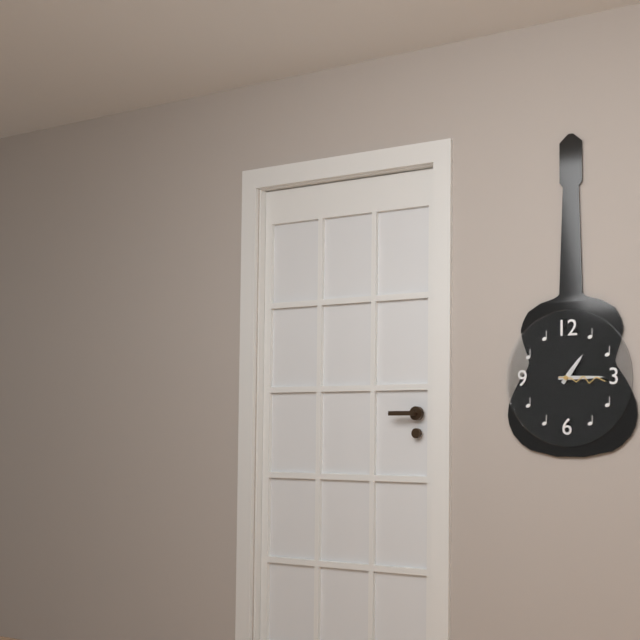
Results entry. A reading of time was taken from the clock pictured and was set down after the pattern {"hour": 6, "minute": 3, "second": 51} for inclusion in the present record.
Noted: {"hour": 1, "minute": 15, "second": 16}
